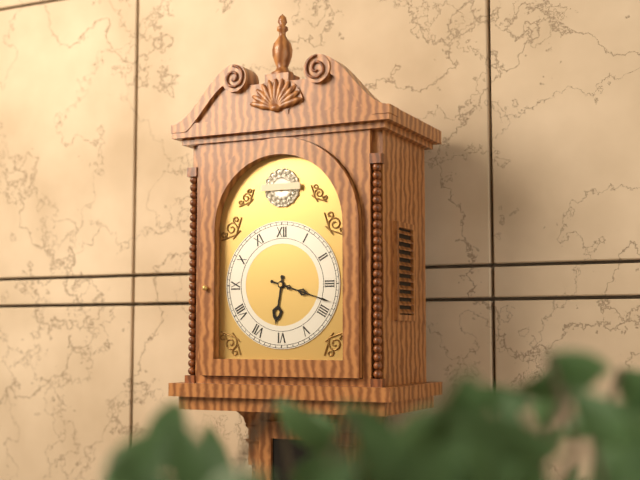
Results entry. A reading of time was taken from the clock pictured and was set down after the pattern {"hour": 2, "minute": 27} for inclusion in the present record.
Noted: {"hour": 6, "minute": 18}
